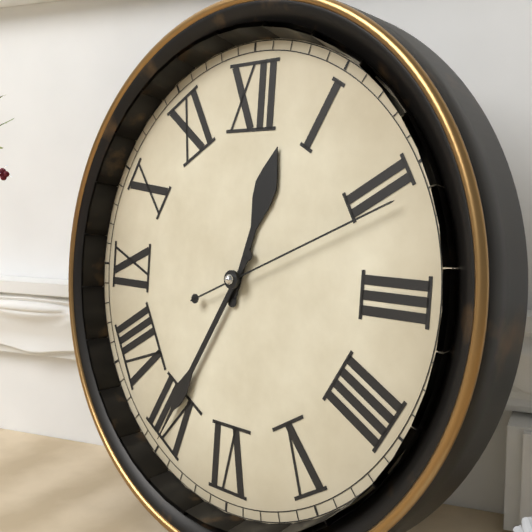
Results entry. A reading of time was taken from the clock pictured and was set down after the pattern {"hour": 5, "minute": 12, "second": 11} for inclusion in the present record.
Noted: {"hour": 12, "minute": 35, "second": 11}
